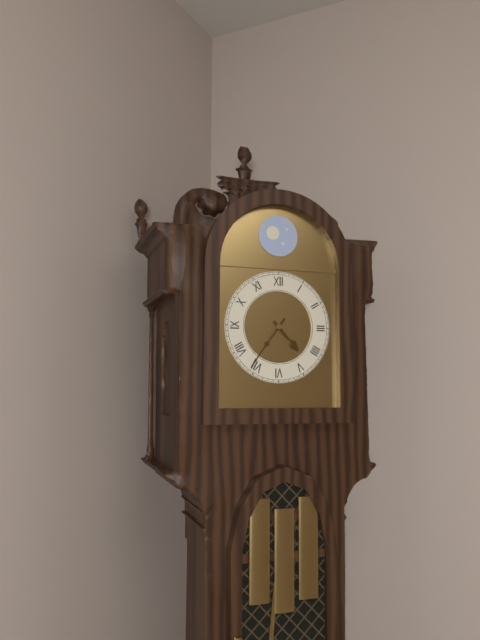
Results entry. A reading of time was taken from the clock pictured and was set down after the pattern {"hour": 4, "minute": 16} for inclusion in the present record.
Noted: {"hour": 4, "minute": 36}
